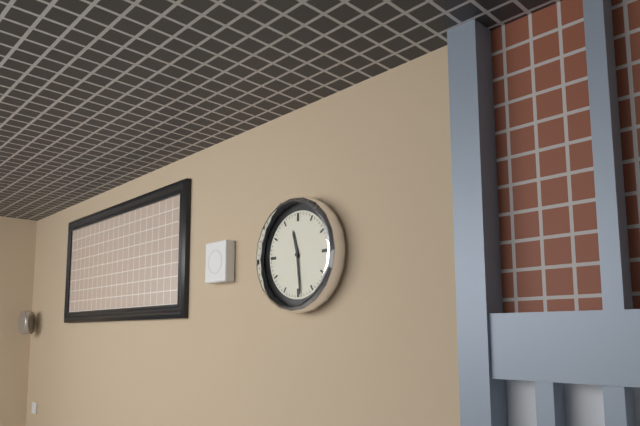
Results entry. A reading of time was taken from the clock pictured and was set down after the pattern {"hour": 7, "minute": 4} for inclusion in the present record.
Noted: {"hour": 11, "minute": 29}
